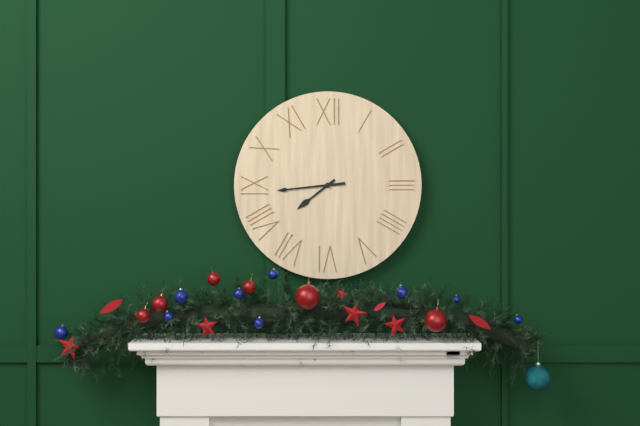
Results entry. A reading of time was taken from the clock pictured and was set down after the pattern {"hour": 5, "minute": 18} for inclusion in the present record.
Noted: {"hour": 7, "minute": 44}
